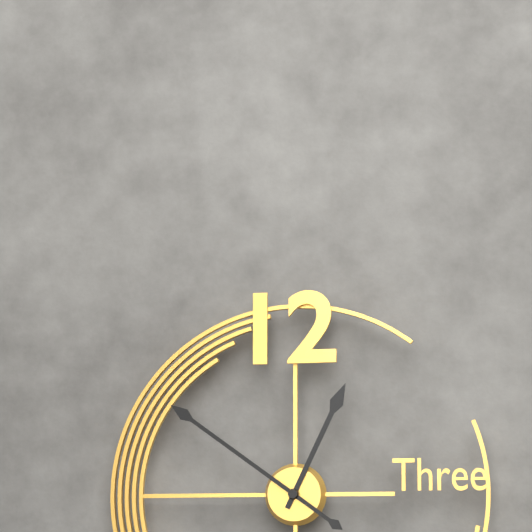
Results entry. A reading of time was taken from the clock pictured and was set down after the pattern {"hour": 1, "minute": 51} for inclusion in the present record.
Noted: {"hour": 12, "minute": 51}
